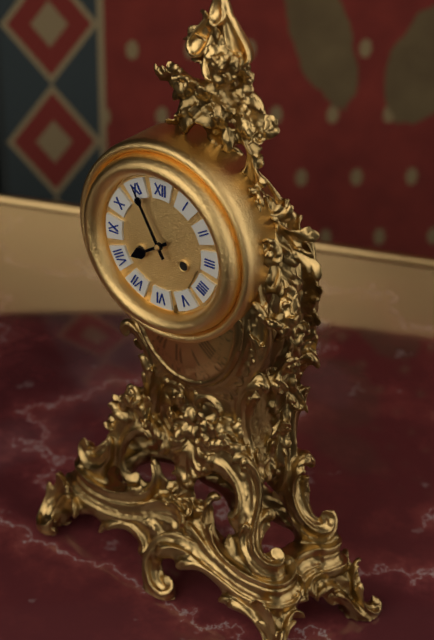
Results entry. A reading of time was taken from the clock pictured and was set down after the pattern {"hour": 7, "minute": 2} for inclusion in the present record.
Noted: {"hour": 7, "minute": 55}
